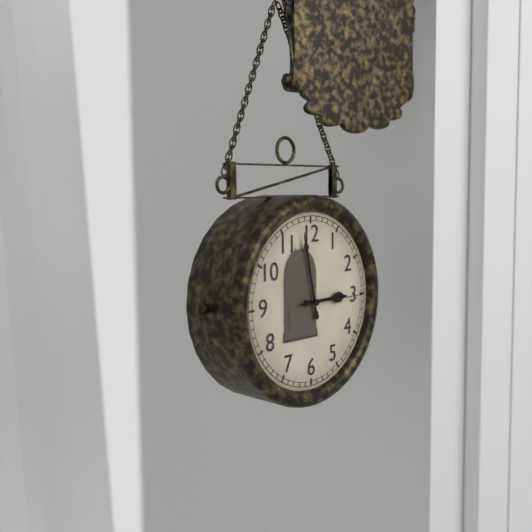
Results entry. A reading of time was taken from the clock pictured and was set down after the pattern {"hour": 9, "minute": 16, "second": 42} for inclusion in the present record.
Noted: {"hour": 2, "minute": 58, "second": 15}
